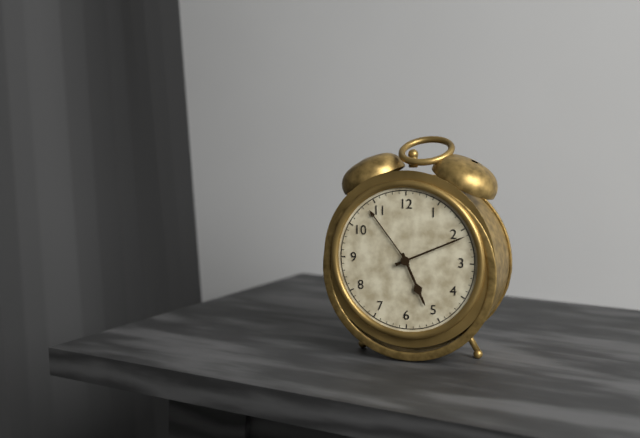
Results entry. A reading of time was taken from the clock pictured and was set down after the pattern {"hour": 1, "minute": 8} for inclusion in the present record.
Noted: {"hour": 5, "minute": 11}
